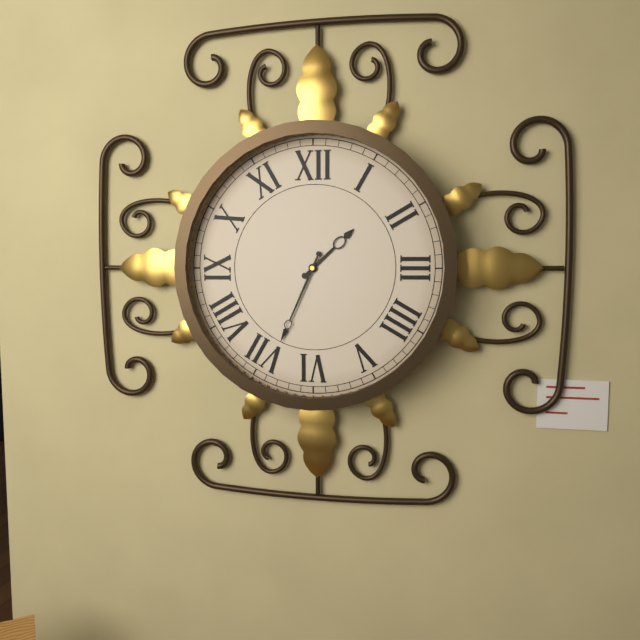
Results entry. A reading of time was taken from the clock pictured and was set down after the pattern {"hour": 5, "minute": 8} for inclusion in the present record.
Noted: {"hour": 1, "minute": 34}
